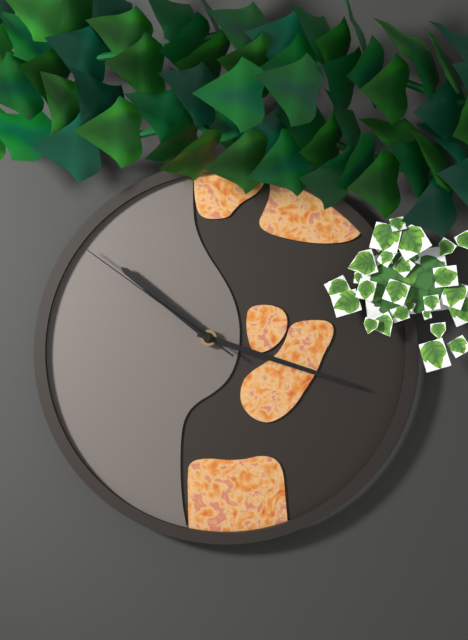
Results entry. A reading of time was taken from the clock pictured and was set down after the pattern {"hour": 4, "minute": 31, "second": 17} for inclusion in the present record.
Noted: {"hour": 10, "minute": 18, "second": 51}
